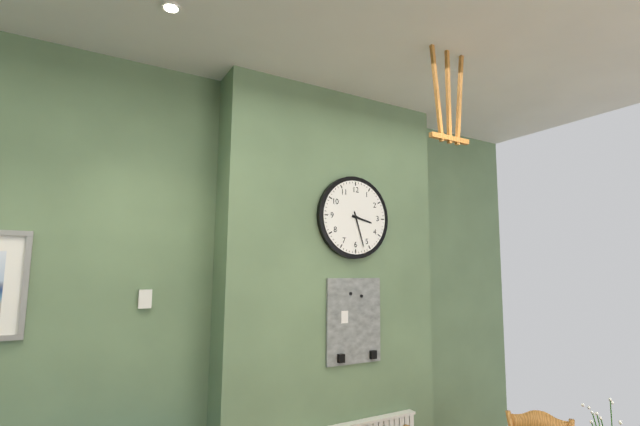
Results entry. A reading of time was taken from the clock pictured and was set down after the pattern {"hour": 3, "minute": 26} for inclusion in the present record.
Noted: {"hour": 3, "minute": 27}
